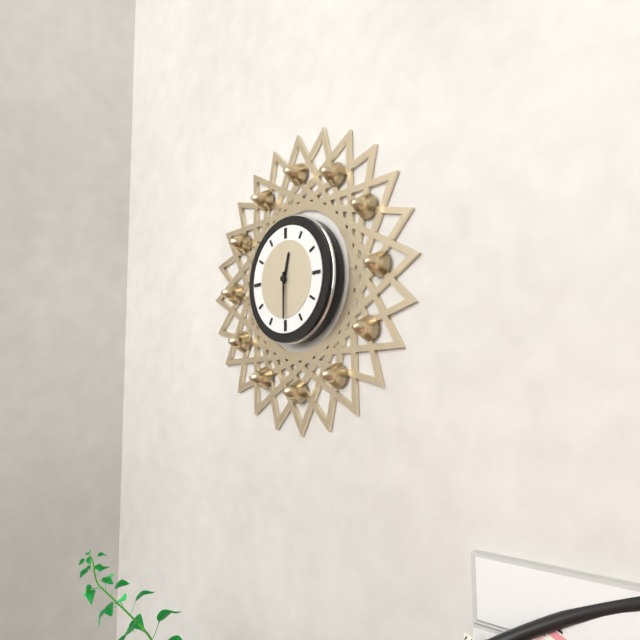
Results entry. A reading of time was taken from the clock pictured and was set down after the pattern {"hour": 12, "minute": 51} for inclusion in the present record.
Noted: {"hour": 12, "minute": 30}
